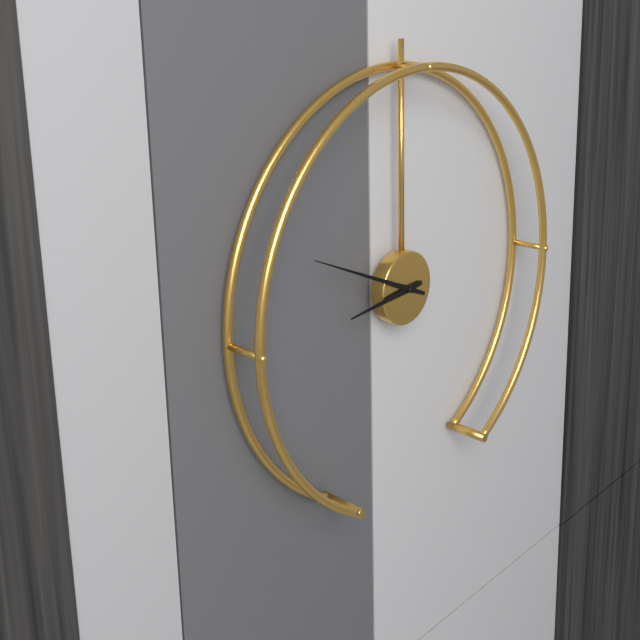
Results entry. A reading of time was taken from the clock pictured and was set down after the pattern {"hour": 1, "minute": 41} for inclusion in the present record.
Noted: {"hour": 8, "minute": 49}
